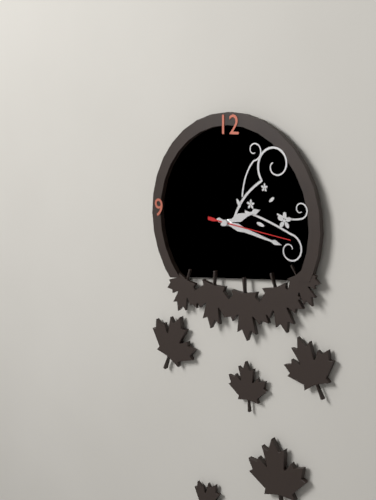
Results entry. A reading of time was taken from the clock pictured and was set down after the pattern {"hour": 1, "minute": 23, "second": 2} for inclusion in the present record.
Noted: {"hour": 2, "minute": 17, "second": 16}
